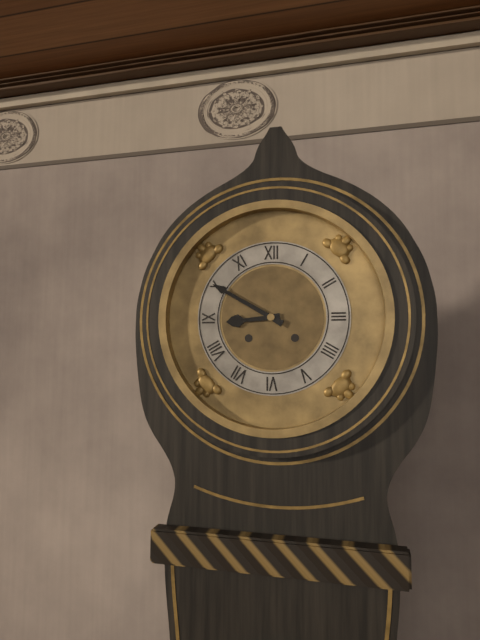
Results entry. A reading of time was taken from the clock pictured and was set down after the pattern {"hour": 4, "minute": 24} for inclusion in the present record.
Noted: {"hour": 8, "minute": 50}
